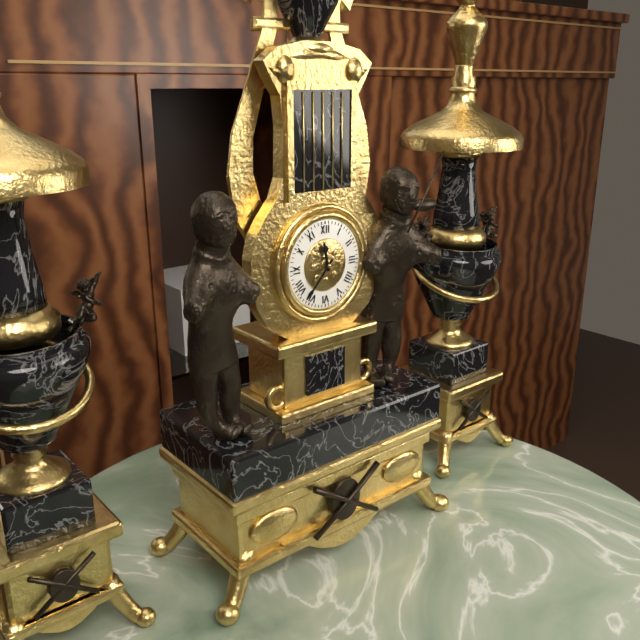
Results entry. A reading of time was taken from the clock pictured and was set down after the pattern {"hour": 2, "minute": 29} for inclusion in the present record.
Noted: {"hour": 11, "minute": 37}
